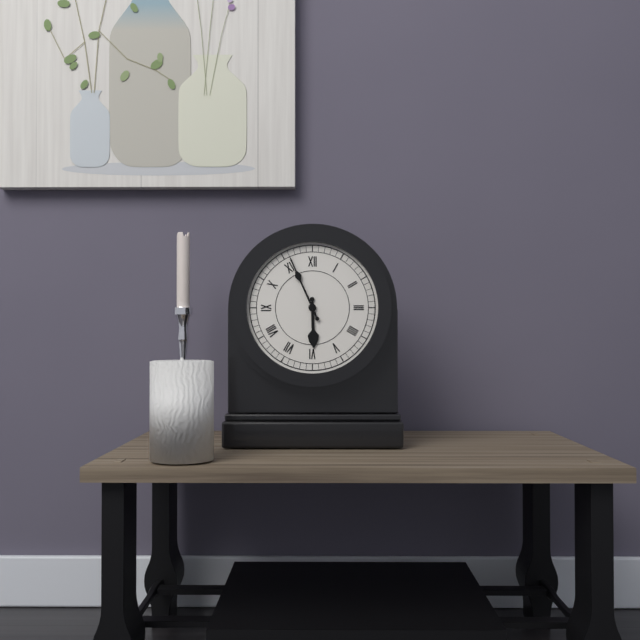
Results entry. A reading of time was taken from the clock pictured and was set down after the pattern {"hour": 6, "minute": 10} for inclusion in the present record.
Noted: {"hour": 5, "minute": 56}
